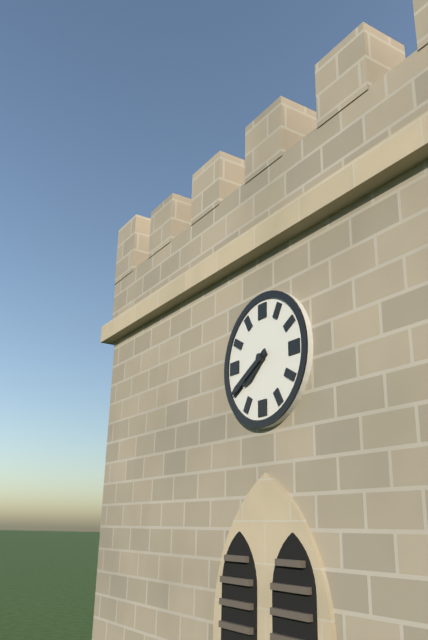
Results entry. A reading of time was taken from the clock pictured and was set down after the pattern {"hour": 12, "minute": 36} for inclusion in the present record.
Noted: {"hour": 7, "minute": 40}
